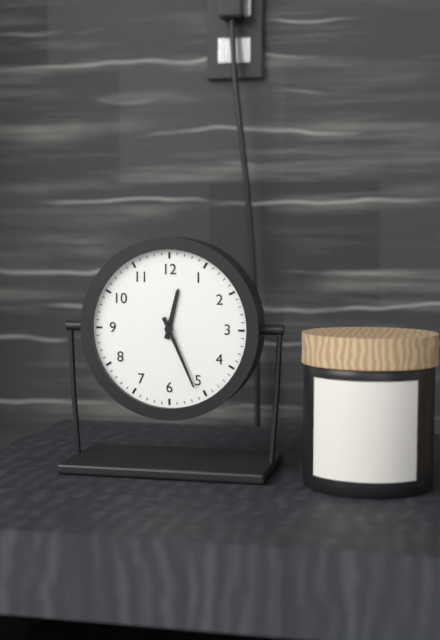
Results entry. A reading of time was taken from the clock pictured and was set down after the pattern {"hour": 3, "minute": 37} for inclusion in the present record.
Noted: {"hour": 12, "minute": 26}
